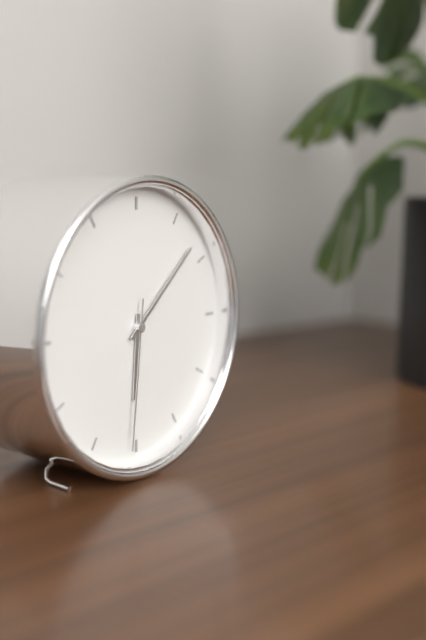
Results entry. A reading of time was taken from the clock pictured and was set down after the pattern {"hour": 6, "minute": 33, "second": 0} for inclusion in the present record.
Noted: {"hour": 6, "minute": 8, "second": 31}
